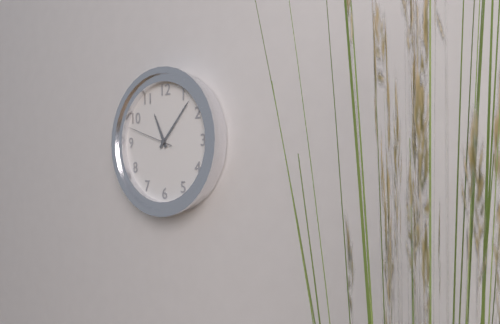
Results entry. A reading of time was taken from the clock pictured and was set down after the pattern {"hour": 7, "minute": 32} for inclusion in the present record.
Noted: {"hour": 11, "minute": 7}
